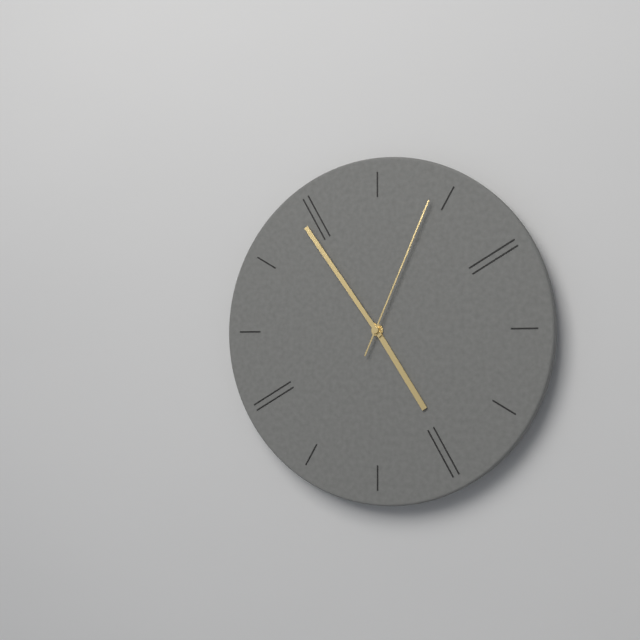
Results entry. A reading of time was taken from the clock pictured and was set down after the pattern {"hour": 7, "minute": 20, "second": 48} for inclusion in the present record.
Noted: {"hour": 4, "minute": 54, "second": 4}
